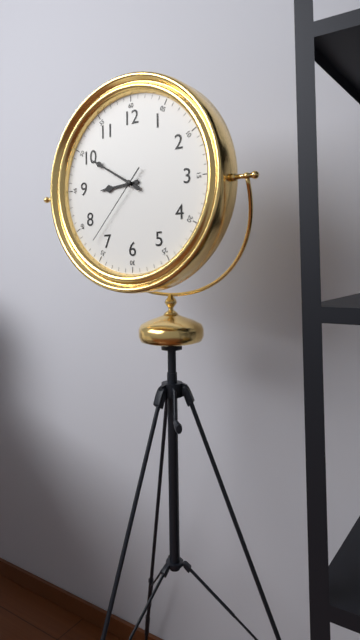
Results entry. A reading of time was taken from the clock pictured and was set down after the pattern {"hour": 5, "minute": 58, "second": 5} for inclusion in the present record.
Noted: {"hour": 8, "minute": 50, "second": 37}
